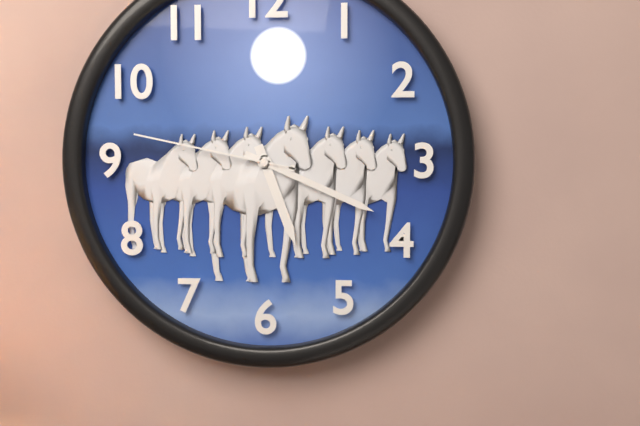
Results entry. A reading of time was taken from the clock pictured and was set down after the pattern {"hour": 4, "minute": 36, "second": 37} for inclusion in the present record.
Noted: {"hour": 5, "minute": 19, "second": 47}
